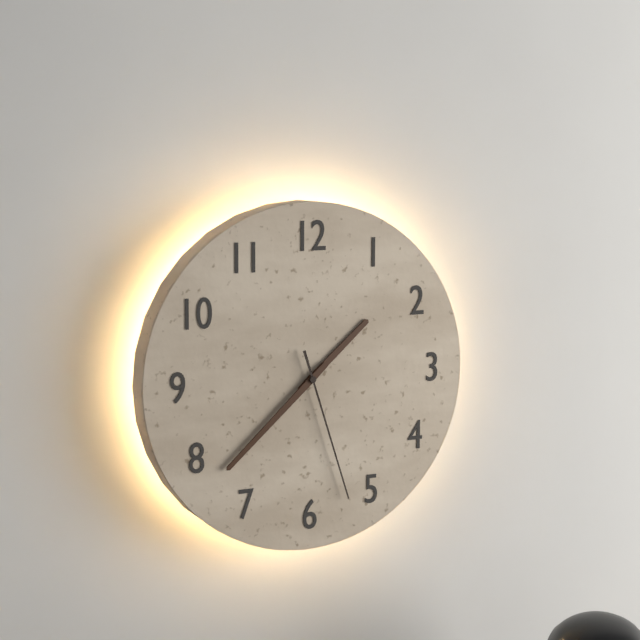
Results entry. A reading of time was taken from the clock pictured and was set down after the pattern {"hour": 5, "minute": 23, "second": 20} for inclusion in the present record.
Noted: {"hour": 1, "minute": 38, "second": 27}
